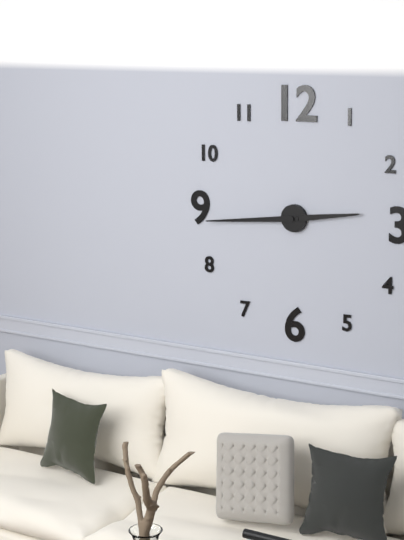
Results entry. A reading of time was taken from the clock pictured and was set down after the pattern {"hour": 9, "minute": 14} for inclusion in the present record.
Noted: {"hour": 2, "minute": 44}
